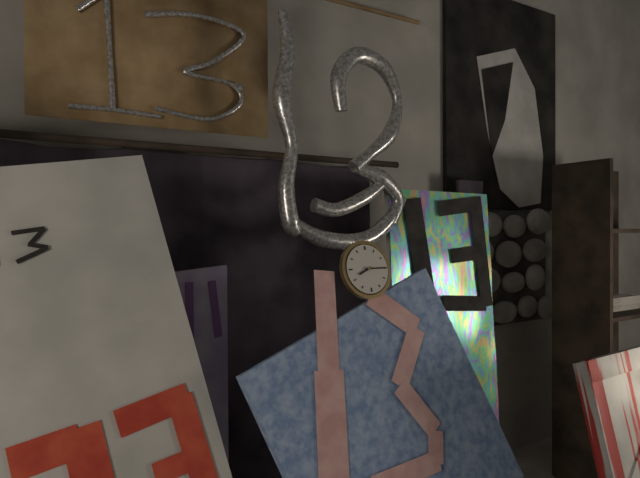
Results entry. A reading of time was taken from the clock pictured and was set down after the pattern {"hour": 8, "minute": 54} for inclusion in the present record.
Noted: {"hour": 8, "minute": 15}
